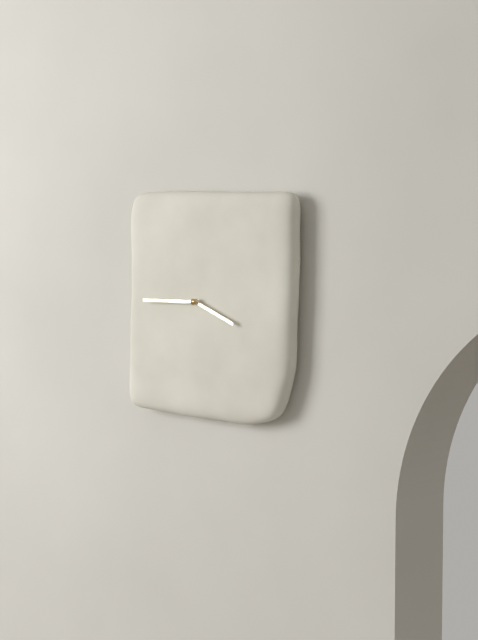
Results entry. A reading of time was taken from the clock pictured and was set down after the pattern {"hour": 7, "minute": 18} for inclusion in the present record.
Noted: {"hour": 3, "minute": 45}
